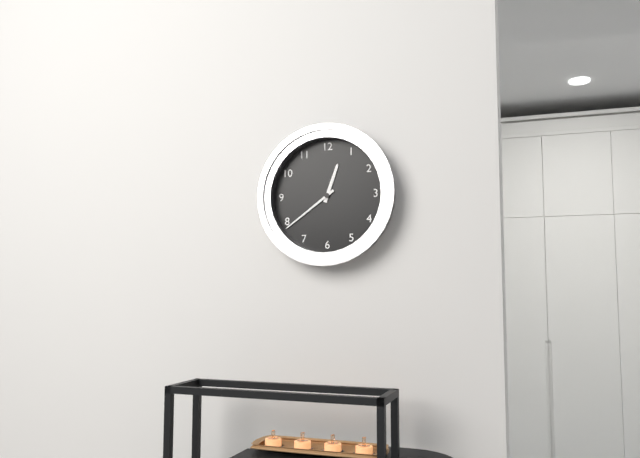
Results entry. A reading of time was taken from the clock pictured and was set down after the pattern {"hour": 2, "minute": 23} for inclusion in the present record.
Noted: {"hour": 12, "minute": 39}
